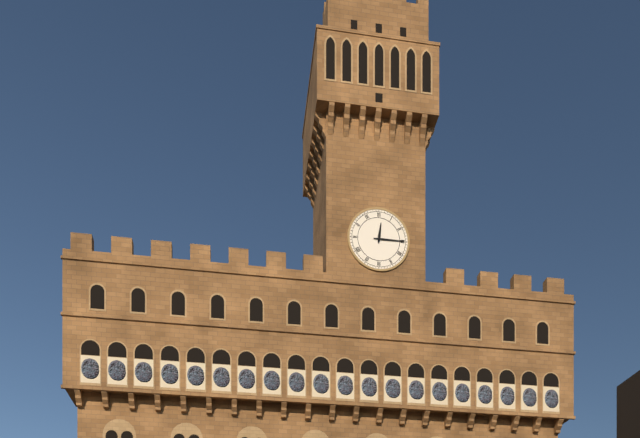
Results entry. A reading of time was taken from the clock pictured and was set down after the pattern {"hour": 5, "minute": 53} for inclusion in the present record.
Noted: {"hour": 12, "minute": 15}
